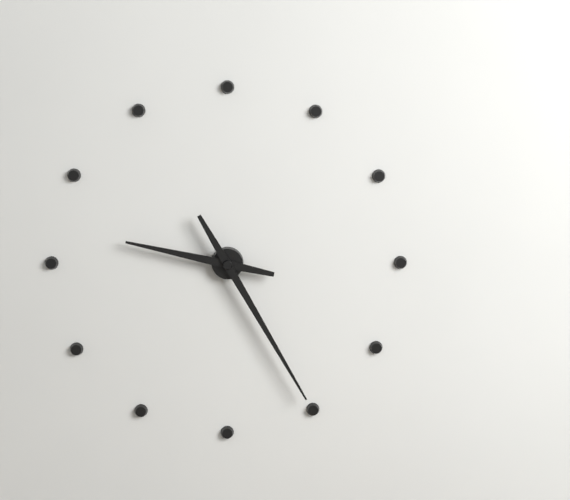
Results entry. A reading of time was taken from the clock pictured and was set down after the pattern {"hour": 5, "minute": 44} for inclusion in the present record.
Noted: {"hour": 9, "minute": 25}
